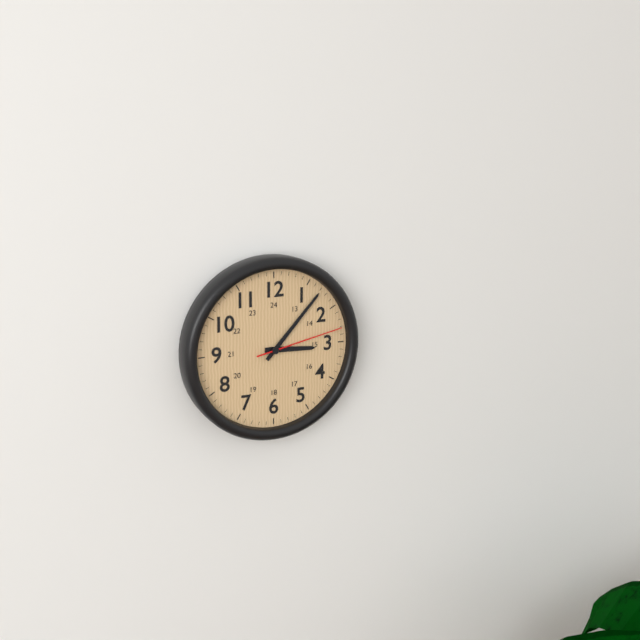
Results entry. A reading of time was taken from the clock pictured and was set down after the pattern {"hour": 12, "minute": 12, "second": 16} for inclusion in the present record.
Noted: {"hour": 3, "minute": 7, "second": 13}
